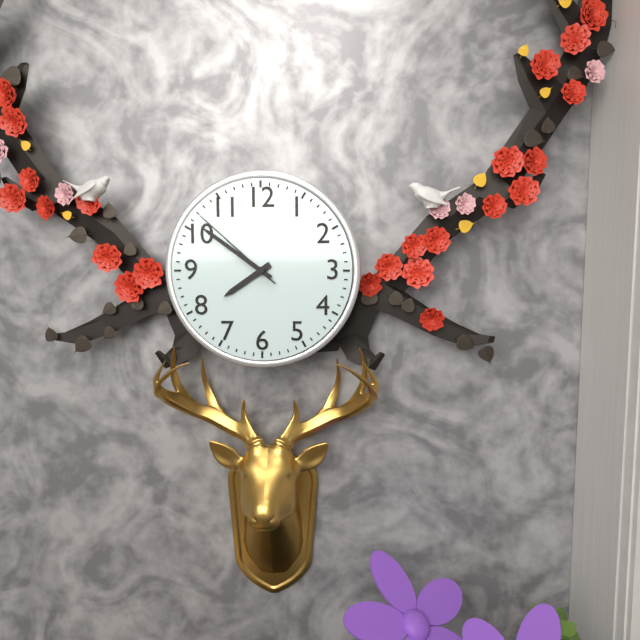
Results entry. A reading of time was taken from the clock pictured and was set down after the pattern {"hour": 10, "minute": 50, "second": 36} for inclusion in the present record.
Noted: {"hour": 7, "minute": 51, "second": 52}
